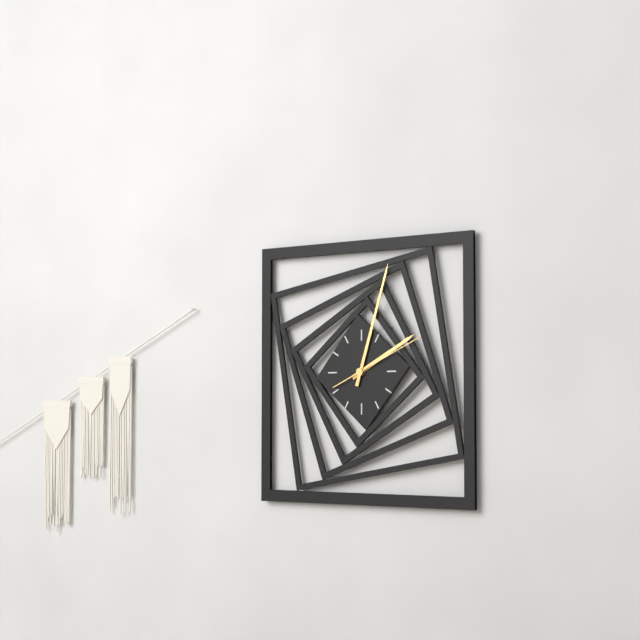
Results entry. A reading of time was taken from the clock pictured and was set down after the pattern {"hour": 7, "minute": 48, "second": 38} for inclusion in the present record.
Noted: {"hour": 2, "minute": 3, "second": 11}
